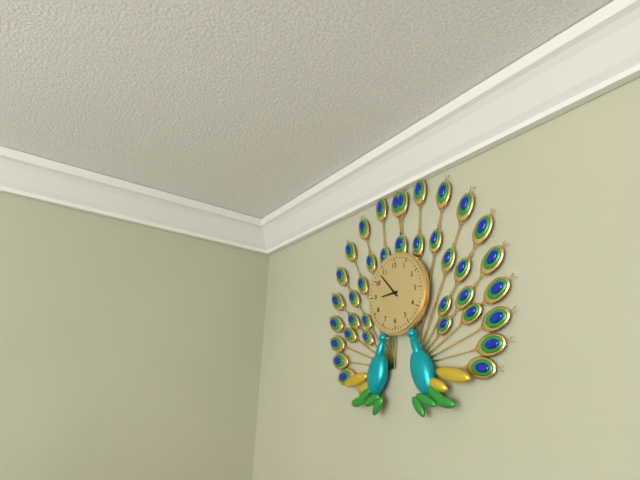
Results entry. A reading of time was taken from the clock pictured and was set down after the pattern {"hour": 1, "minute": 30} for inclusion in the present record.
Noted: {"hour": 8, "minute": 53}
